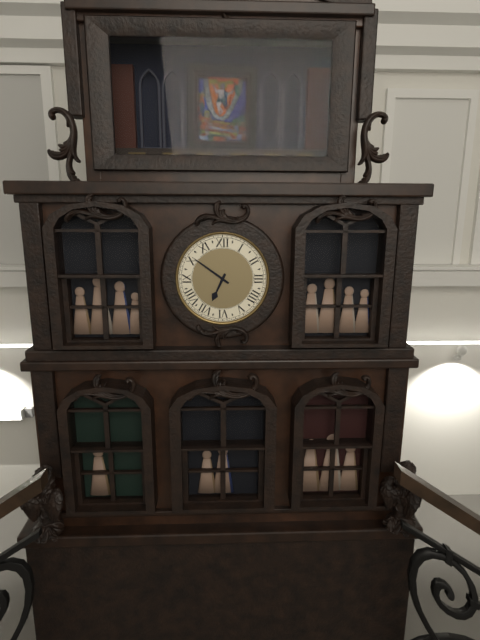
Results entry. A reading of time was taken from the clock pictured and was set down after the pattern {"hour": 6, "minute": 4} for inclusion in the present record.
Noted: {"hour": 6, "minute": 51}
